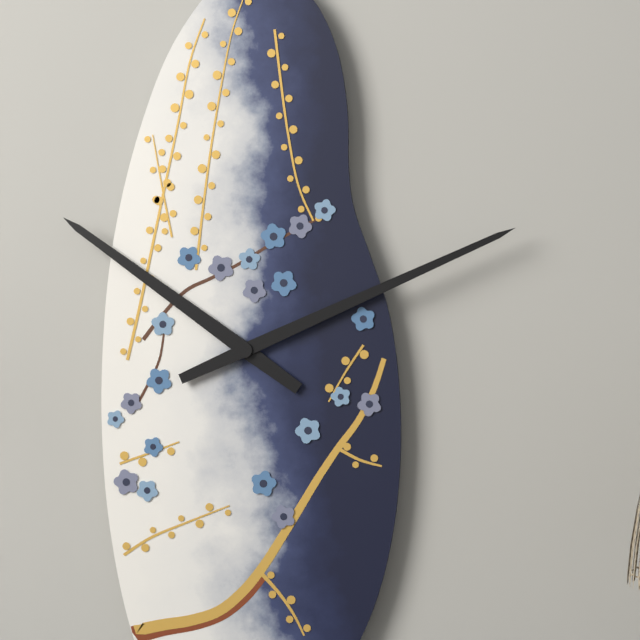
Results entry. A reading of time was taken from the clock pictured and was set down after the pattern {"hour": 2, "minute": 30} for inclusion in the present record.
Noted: {"hour": 10, "minute": 11}
